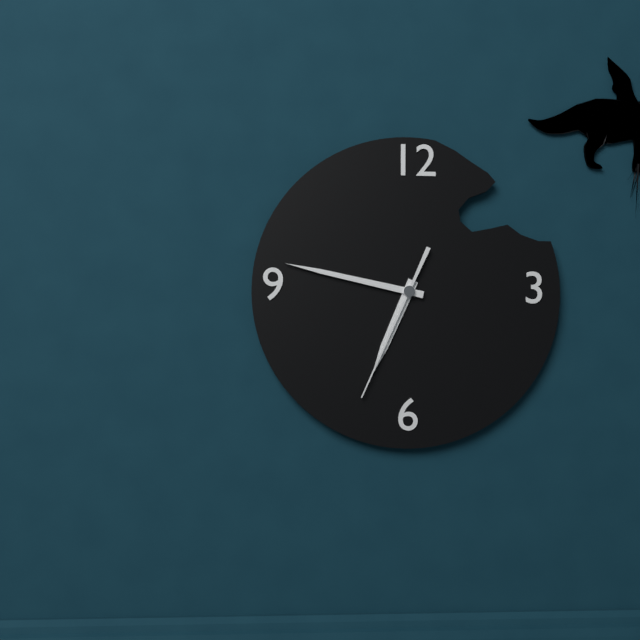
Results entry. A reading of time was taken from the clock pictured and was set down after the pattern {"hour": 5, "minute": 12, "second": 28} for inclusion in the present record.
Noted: {"hour": 6, "minute": 47, "second": 34}
